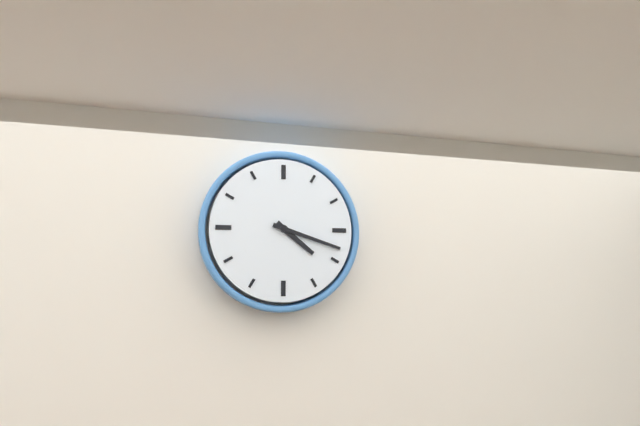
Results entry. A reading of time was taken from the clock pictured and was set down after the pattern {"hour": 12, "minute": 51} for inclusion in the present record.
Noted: {"hour": 4, "minute": 18}
